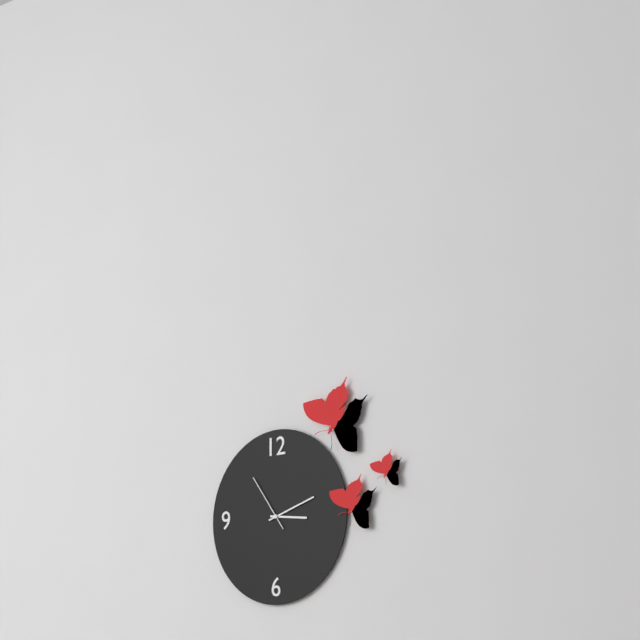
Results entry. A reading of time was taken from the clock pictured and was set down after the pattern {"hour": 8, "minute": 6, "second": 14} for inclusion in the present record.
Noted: {"hour": 3, "minute": 12, "second": 54}
